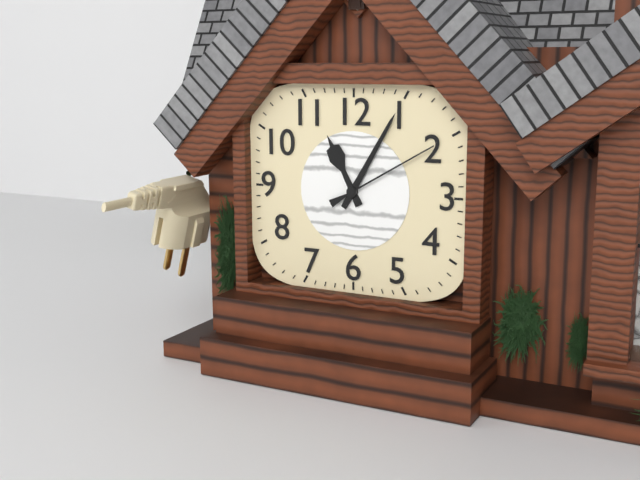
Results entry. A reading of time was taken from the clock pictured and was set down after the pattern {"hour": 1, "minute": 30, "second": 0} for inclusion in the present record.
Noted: {"hour": 11, "minute": 5, "second": 10}
